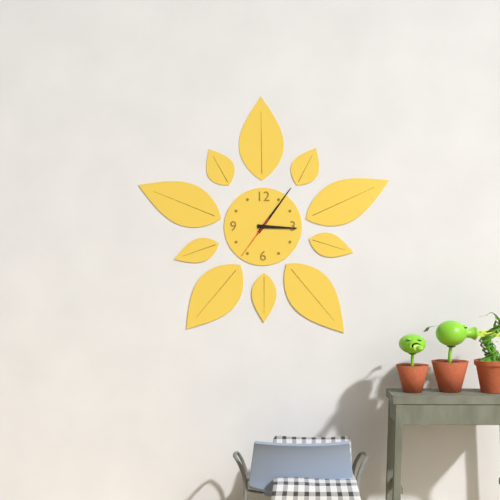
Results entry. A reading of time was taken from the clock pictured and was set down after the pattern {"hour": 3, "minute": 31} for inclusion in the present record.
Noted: {"hour": 3, "minute": 6}
